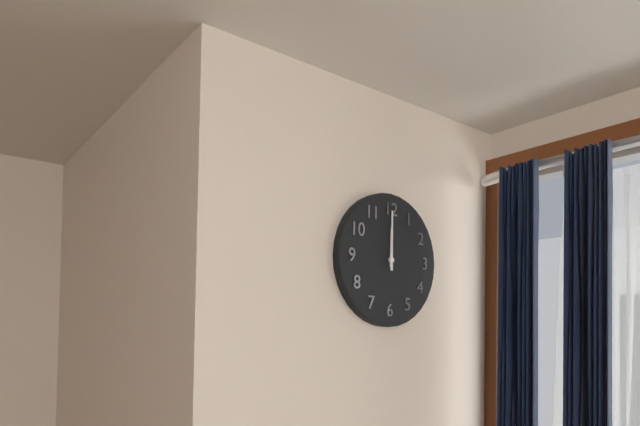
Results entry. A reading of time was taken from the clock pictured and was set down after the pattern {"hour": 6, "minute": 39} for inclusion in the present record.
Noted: {"hour": 12, "minute": 0}
